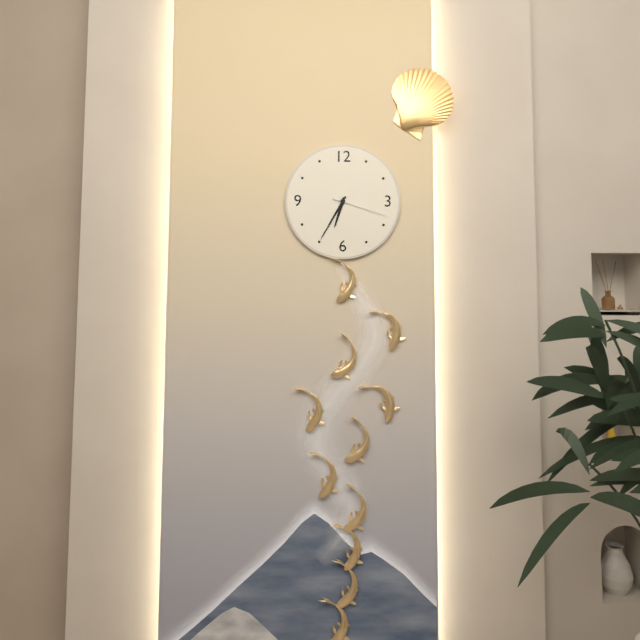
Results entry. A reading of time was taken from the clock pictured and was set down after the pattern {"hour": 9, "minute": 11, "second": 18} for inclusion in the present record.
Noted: {"hour": 6, "minute": 35, "second": 18}
